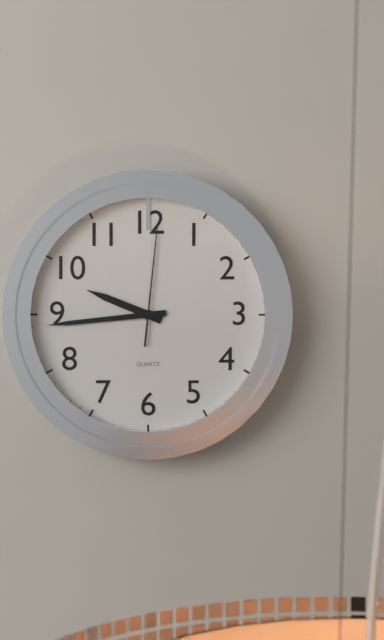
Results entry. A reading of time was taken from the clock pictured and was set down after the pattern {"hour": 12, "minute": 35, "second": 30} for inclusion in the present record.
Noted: {"hour": 9, "minute": 44, "second": 1}
